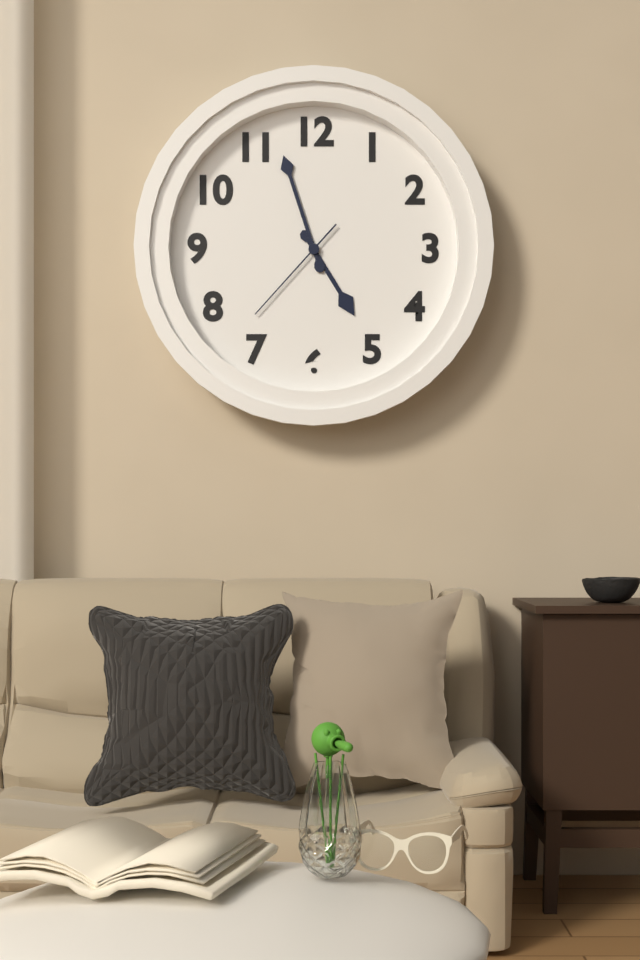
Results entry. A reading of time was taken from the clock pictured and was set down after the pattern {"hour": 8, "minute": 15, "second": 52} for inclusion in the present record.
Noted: {"hour": 4, "minute": 57, "second": 37}
